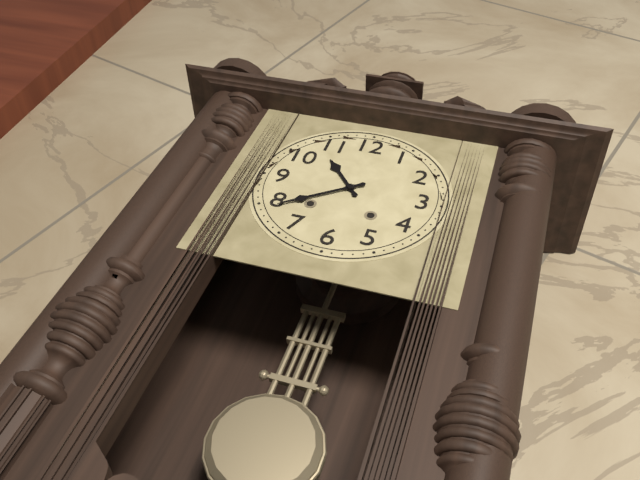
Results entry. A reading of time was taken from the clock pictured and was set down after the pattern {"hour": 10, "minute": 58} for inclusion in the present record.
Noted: {"hour": 10, "minute": 39}
